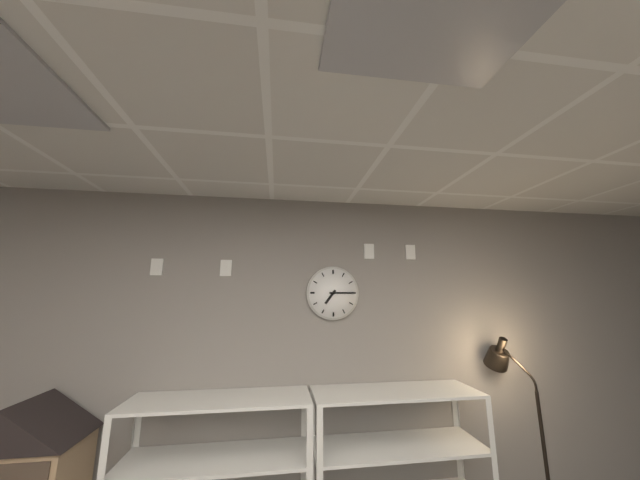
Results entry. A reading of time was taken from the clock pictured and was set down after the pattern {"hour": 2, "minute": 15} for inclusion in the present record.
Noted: {"hour": 7, "minute": 15}
